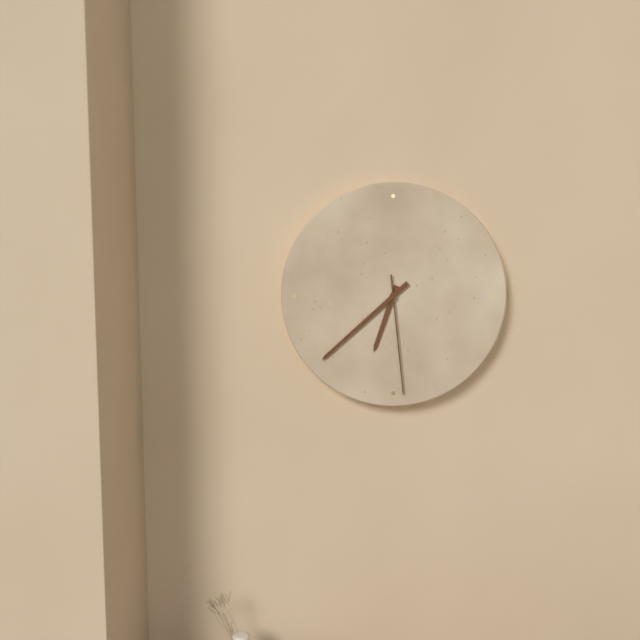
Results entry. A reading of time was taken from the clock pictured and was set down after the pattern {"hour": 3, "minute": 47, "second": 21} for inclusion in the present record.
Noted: {"hour": 6, "minute": 38, "second": 29}
